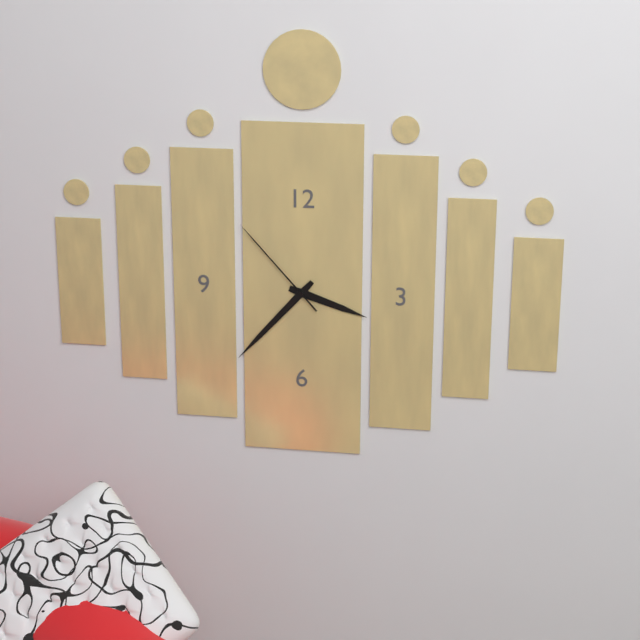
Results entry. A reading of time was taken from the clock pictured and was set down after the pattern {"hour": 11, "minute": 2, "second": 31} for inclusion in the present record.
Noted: {"hour": 3, "minute": 37, "second": 53}
